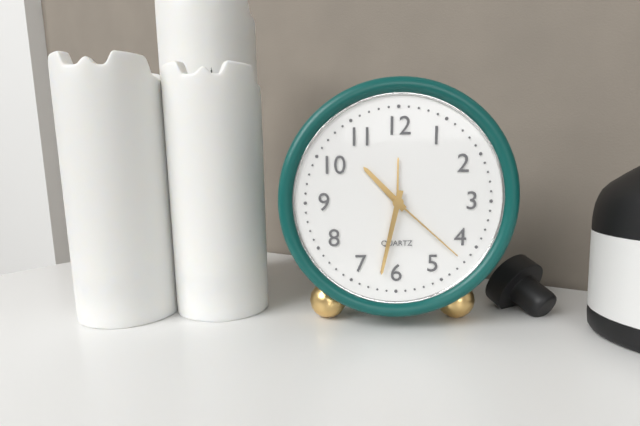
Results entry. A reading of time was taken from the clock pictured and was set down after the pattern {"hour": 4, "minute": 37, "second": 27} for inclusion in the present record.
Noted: {"hour": 10, "minute": 32, "second": 22}
